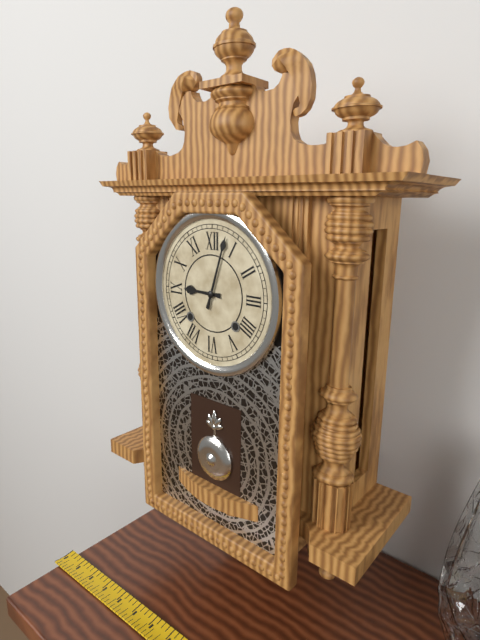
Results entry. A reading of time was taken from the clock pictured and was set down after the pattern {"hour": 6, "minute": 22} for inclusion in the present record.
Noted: {"hour": 9, "minute": 3}
